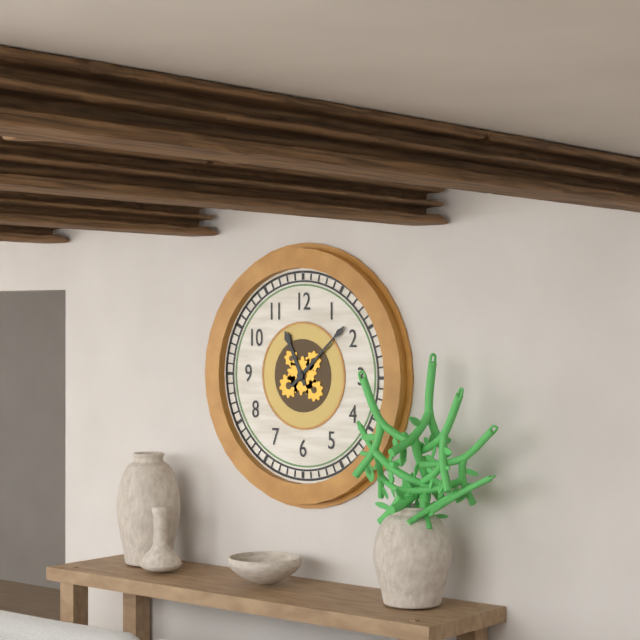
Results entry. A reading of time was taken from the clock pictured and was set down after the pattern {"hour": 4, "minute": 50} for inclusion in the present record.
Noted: {"hour": 11, "minute": 8}
